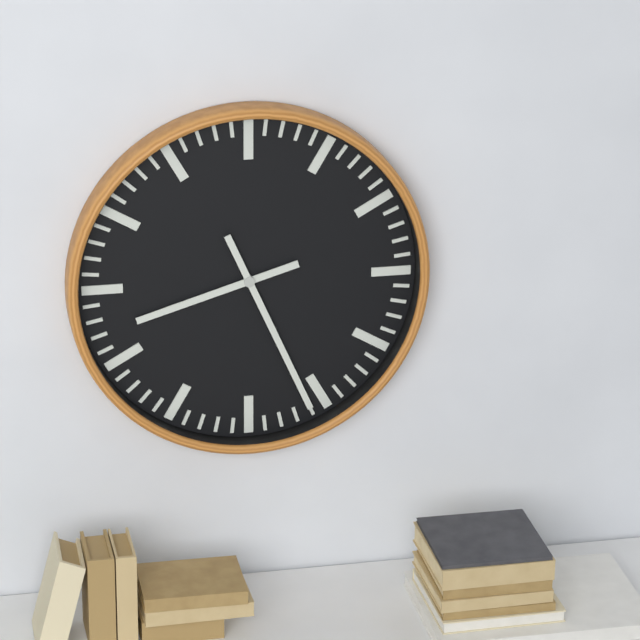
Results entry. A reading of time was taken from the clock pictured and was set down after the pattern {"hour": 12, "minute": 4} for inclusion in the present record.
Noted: {"hour": 8, "minute": 26}
